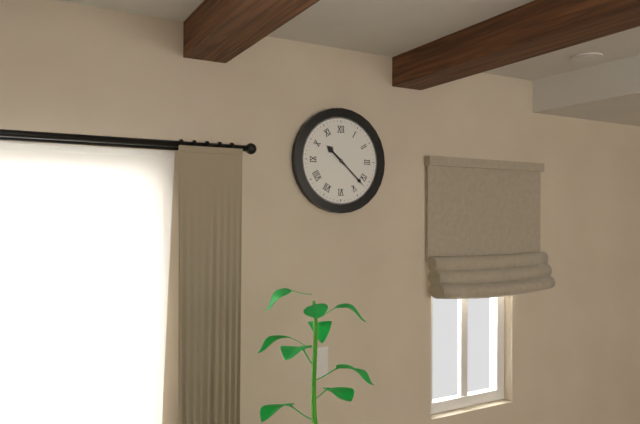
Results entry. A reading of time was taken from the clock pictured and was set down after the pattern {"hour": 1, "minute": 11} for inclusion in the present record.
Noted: {"hour": 10, "minute": 22}
